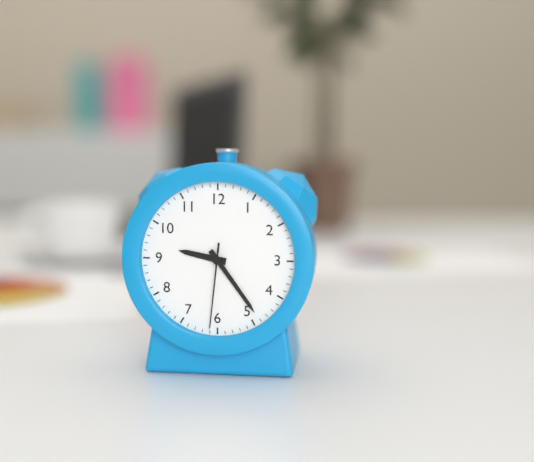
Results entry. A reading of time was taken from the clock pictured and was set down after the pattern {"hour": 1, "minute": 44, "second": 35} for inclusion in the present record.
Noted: {"hour": 9, "minute": 24, "second": 31}
